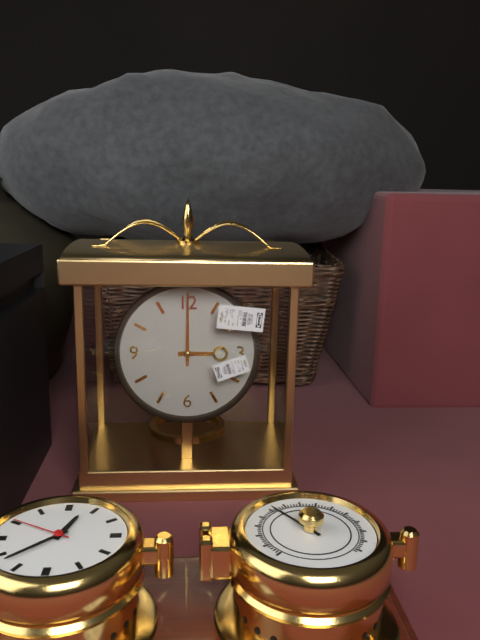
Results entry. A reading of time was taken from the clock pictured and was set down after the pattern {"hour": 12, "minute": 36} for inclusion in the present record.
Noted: {"hour": 3, "minute": 0}
